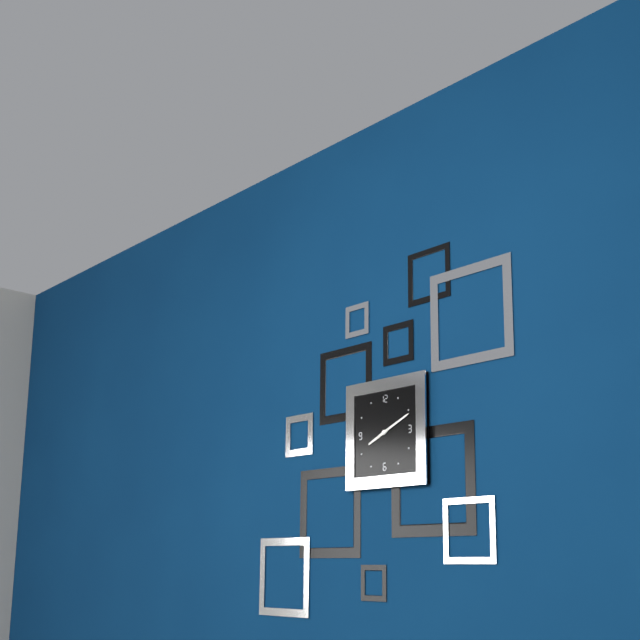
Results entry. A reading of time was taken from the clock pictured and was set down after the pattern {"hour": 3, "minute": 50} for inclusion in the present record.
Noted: {"hour": 8, "minute": 11}
